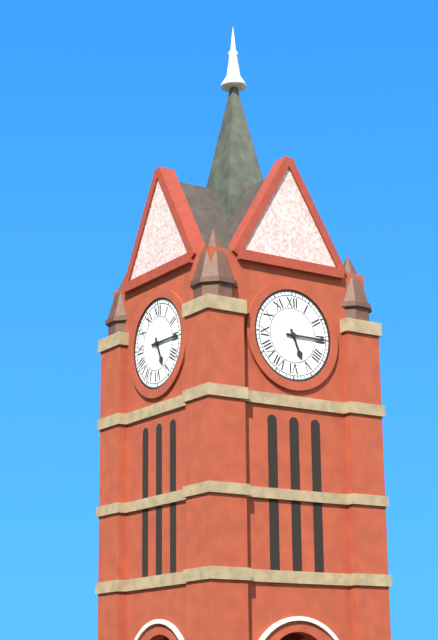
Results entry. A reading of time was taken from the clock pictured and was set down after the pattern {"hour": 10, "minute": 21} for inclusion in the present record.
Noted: {"hour": 5, "minute": 15}
